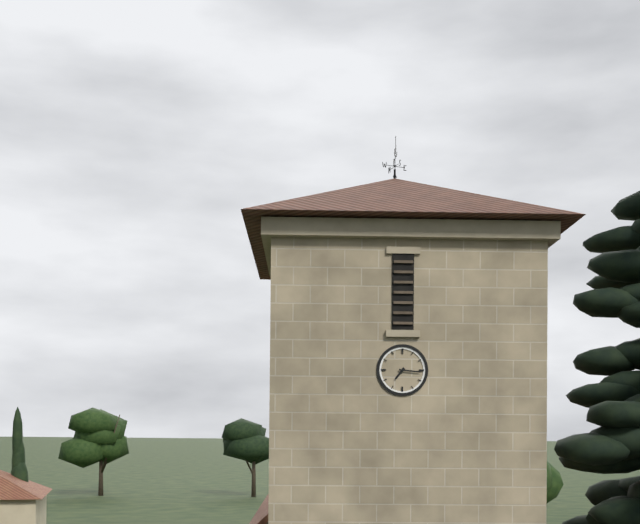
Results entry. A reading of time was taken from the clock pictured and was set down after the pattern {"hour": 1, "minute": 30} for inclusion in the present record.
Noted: {"hour": 7, "minute": 16}
